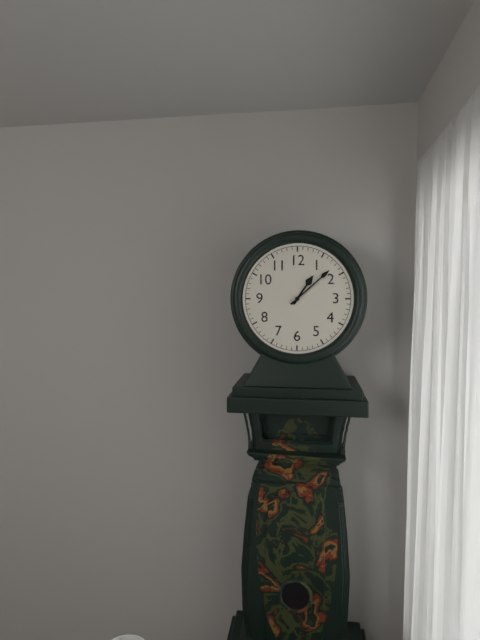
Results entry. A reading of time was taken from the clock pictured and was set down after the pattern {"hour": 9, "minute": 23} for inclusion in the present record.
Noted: {"hour": 1, "minute": 8}
